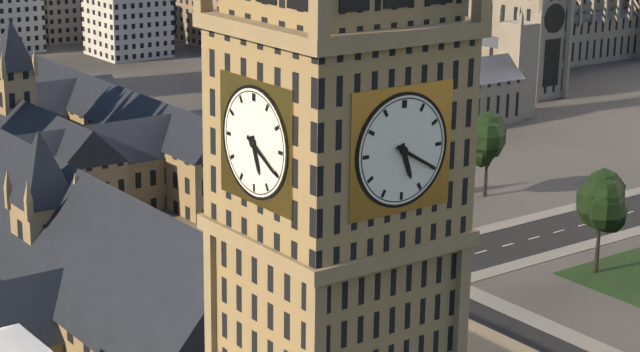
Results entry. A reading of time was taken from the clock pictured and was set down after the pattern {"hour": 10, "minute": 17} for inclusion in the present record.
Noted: {"hour": 5, "minute": 20}
